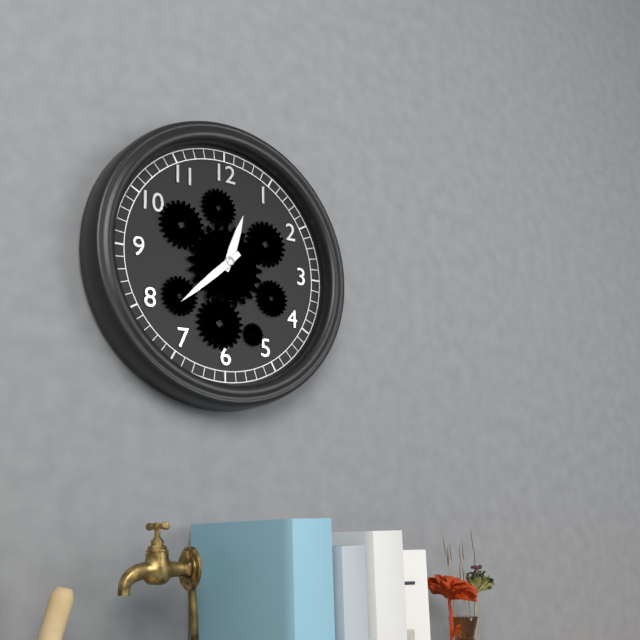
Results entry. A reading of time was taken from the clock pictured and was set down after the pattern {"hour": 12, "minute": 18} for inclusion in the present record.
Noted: {"hour": 12, "minute": 38}
